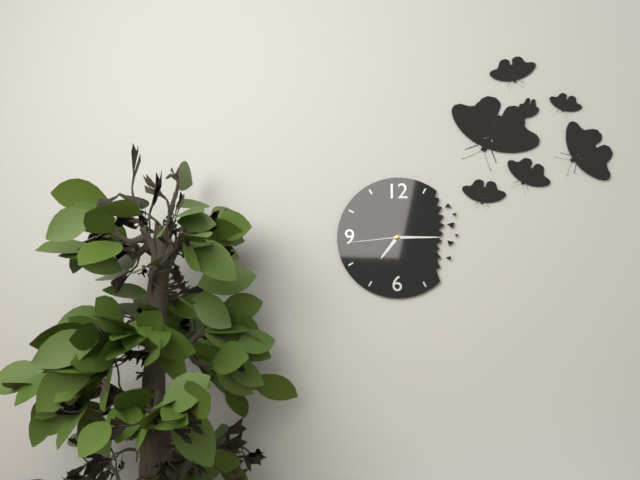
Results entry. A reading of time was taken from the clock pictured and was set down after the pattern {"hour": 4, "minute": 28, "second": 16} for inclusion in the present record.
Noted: {"hour": 7, "minute": 15, "second": 44}
